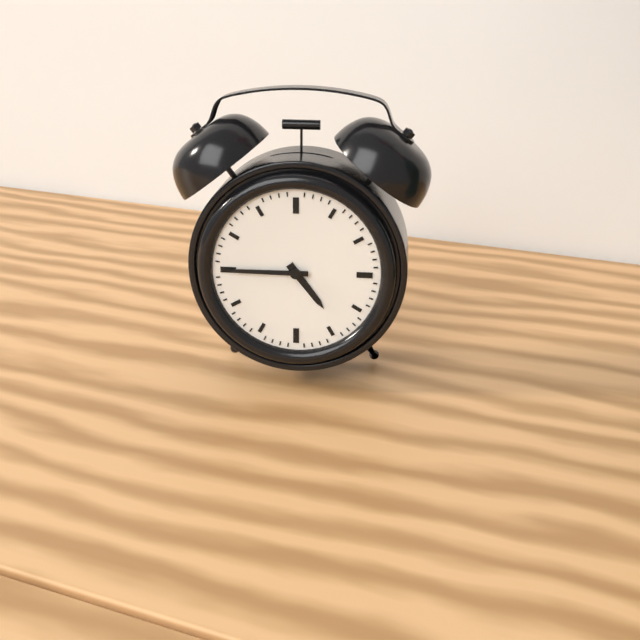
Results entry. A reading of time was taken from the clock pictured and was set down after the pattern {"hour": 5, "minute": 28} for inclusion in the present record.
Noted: {"hour": 4, "minute": 45}
